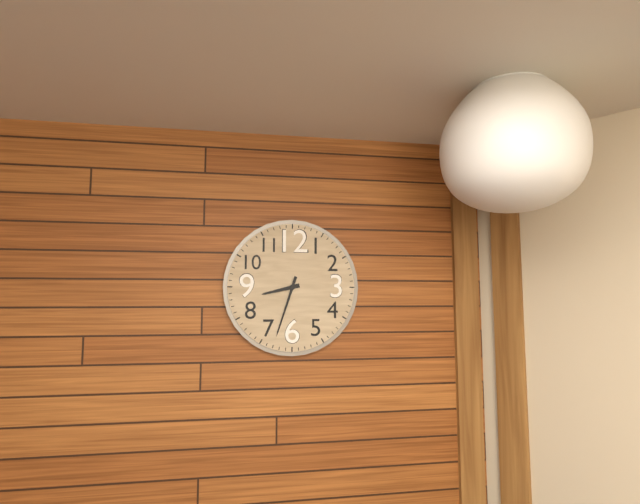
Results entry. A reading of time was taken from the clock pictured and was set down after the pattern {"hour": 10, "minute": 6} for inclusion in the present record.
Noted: {"hour": 8, "minute": 33}
